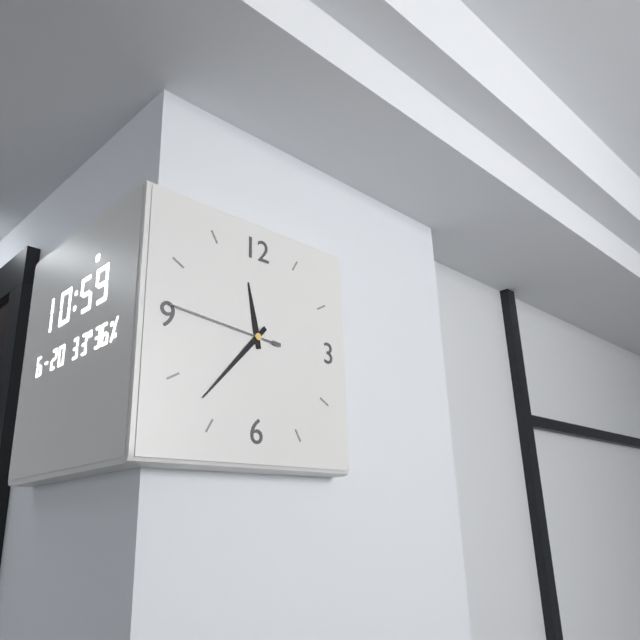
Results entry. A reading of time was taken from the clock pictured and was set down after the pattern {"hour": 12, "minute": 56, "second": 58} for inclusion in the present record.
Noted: {"hour": 11, "minute": 37, "second": 46}
